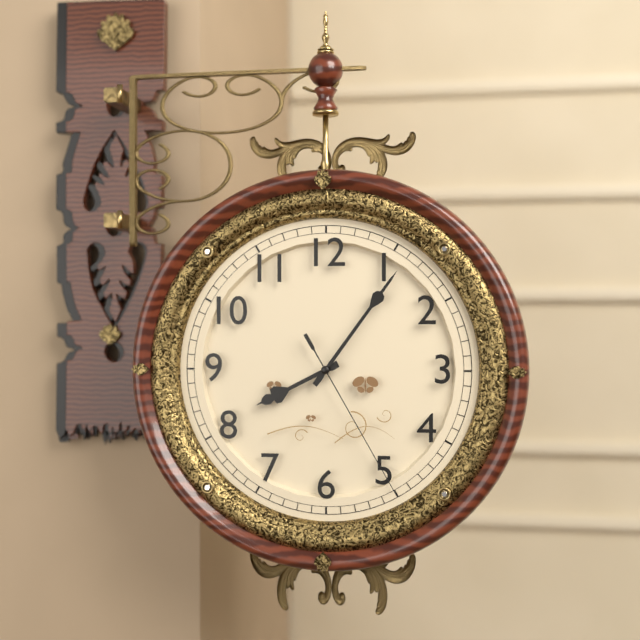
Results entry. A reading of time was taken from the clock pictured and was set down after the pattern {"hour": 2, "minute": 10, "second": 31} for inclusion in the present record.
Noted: {"hour": 8, "minute": 6, "second": 25}
